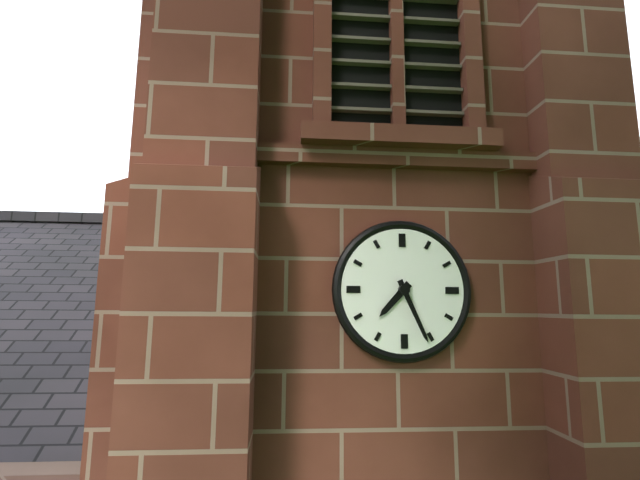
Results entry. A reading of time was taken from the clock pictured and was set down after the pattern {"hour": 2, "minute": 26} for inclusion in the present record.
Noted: {"hour": 7, "minute": 26}
